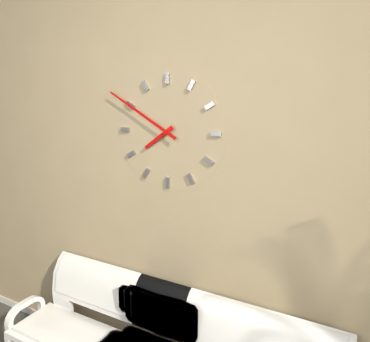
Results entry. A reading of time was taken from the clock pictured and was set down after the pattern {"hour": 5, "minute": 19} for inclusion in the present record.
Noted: {"hour": 7, "minute": 50}
